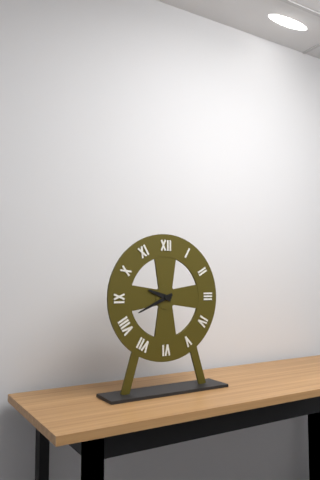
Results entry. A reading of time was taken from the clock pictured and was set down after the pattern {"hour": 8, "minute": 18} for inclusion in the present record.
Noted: {"hour": 9, "minute": 41}
